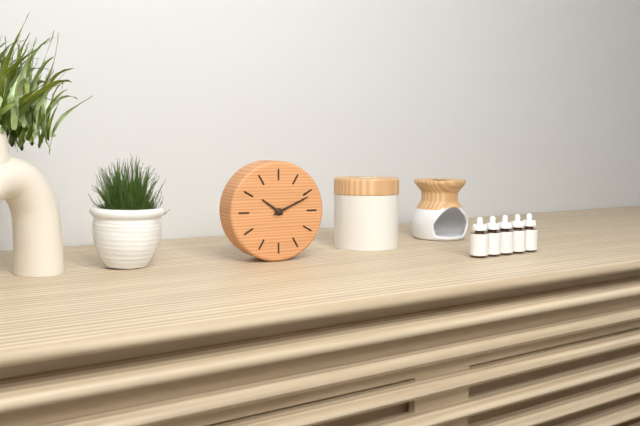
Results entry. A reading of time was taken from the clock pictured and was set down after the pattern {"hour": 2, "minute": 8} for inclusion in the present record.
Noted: {"hour": 10, "minute": 11}
